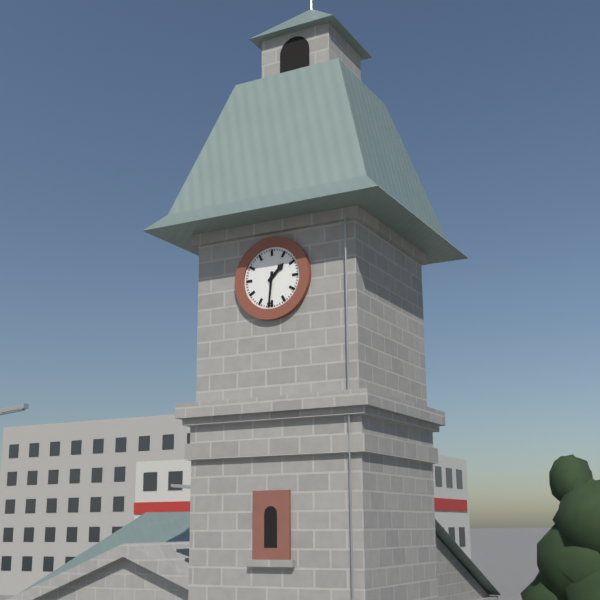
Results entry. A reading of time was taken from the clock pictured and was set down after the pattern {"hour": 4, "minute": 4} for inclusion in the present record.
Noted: {"hour": 1, "minute": 31}
